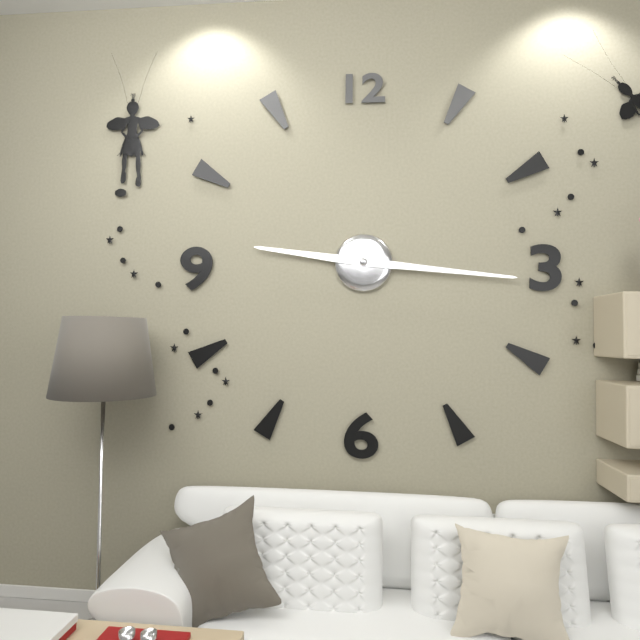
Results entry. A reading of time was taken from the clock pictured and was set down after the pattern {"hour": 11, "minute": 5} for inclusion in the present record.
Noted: {"hour": 9, "minute": 16}
